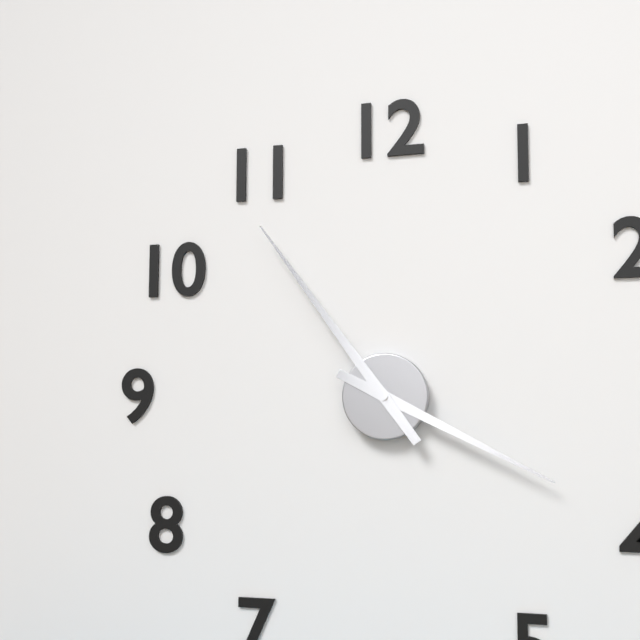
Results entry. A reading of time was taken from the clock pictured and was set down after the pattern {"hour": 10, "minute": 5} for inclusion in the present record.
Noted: {"hour": 3, "minute": 54}
